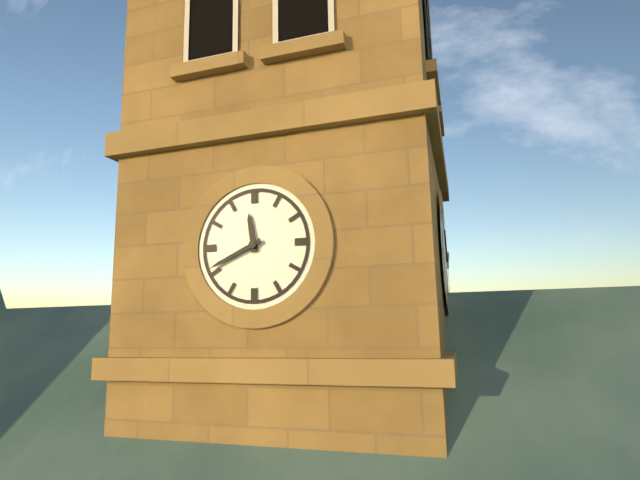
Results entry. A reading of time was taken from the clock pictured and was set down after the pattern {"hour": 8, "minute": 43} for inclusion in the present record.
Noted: {"hour": 11, "minute": 41}
